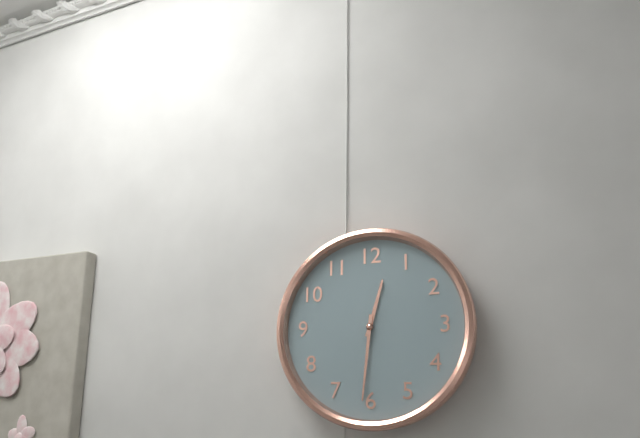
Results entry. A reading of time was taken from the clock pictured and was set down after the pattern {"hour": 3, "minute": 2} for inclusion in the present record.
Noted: {"hour": 12, "minute": 31}
